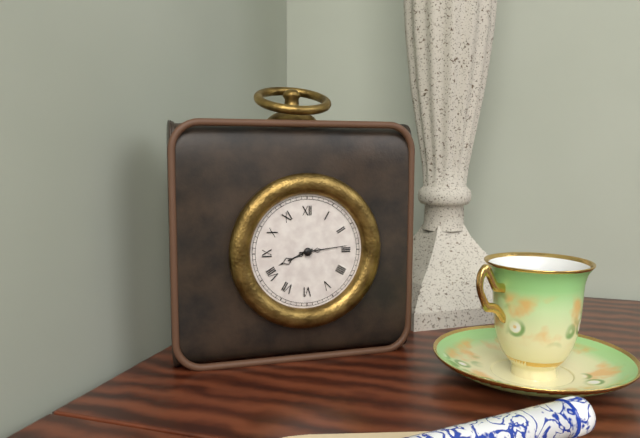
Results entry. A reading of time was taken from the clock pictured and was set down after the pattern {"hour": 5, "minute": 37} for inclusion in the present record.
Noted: {"hour": 8, "minute": 14}
